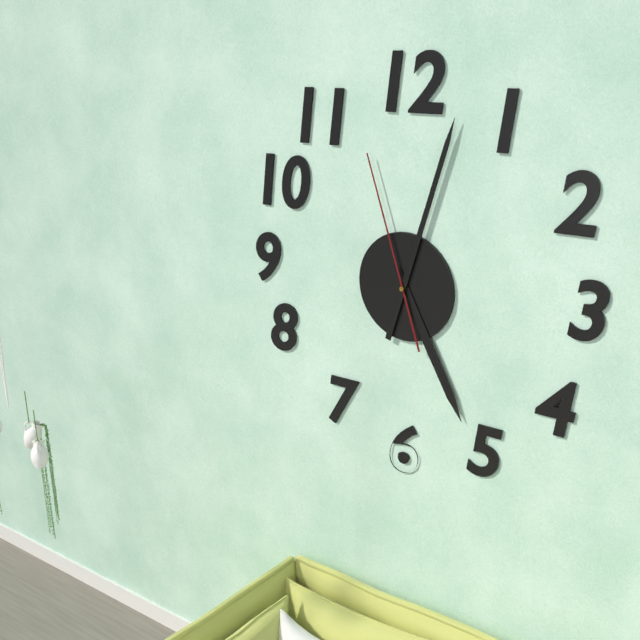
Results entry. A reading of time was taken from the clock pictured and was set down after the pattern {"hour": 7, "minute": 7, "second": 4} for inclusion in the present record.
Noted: {"hour": 5, "minute": 3, "second": 57}
